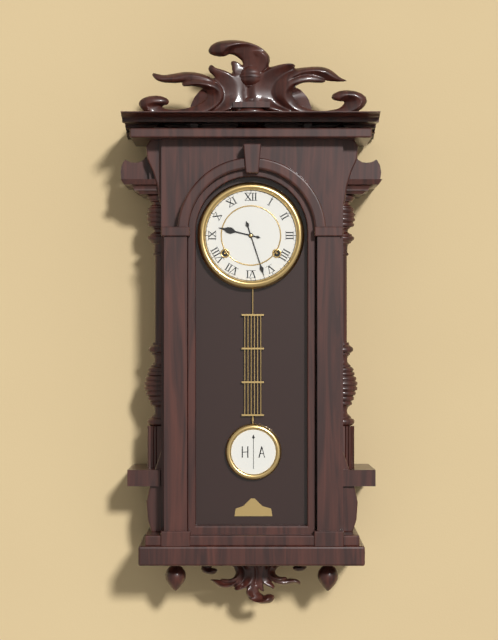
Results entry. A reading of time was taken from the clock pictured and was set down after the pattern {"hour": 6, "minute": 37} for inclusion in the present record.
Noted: {"hour": 9, "minute": 27}
